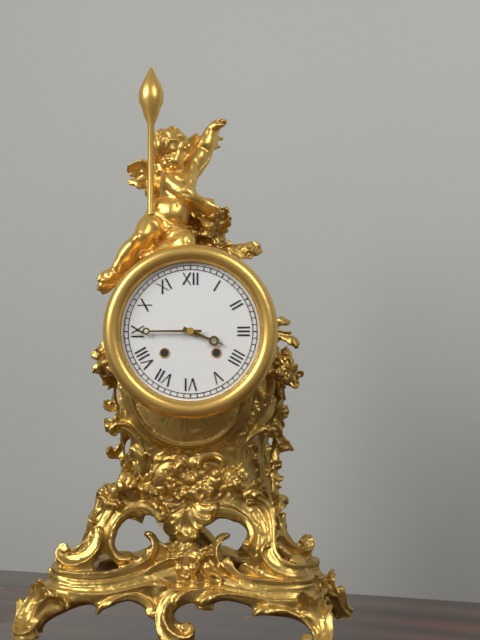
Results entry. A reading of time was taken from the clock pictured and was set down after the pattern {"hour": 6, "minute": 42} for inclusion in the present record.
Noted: {"hour": 3, "minute": 45}
